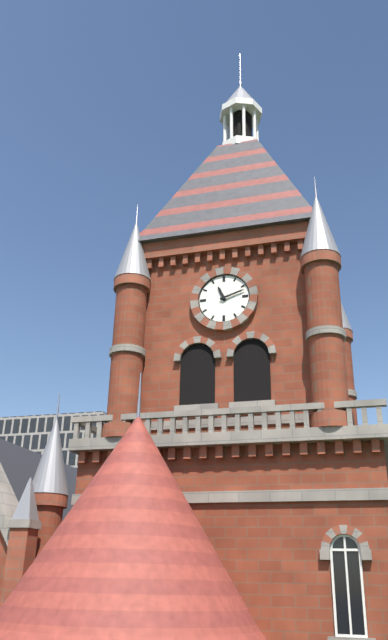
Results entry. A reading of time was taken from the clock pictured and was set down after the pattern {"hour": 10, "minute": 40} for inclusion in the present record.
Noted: {"hour": 11, "minute": 12}
